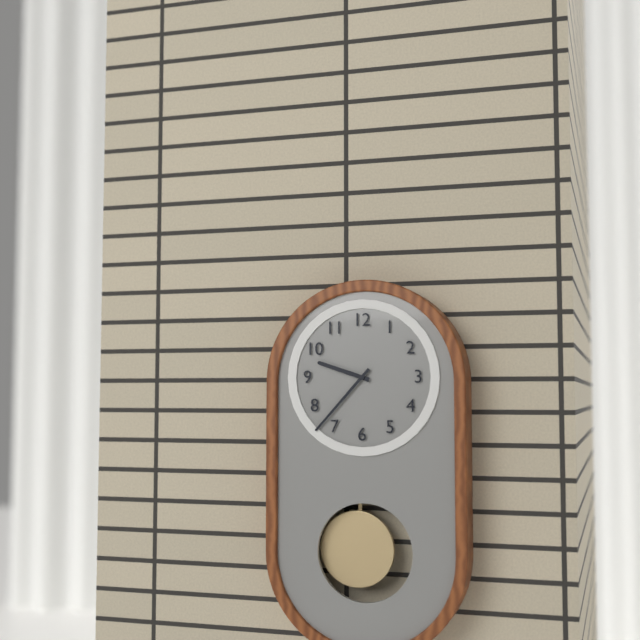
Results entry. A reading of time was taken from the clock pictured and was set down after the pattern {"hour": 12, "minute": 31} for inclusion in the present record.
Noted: {"hour": 9, "minute": 37}
